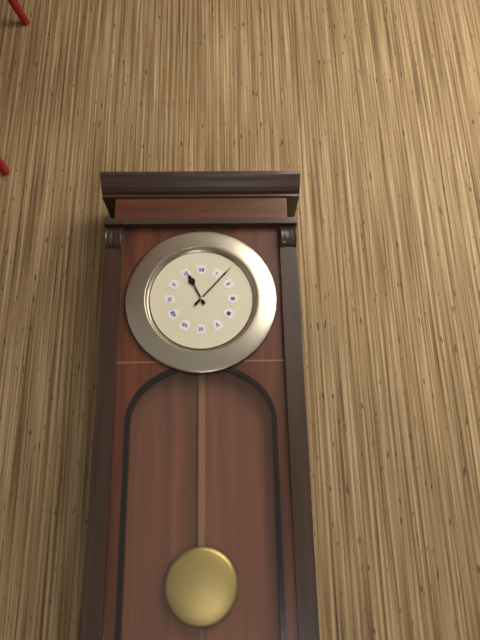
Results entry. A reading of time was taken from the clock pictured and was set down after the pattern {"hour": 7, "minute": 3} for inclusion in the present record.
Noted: {"hour": 11, "minute": 7}
